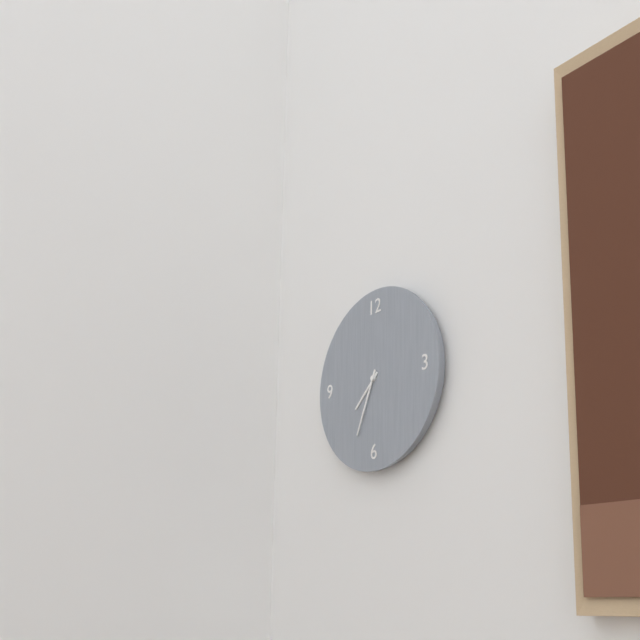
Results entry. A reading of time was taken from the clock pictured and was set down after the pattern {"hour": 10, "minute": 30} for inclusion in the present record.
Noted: {"hour": 7, "minute": 34}
